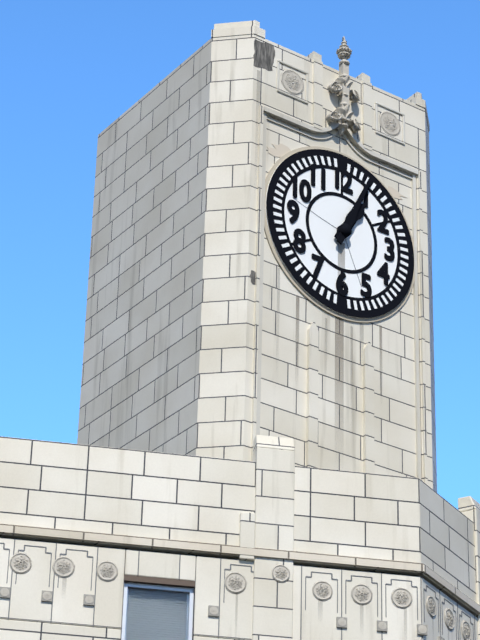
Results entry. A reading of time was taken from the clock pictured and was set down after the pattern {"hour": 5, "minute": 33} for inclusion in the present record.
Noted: {"hour": 1, "minute": 4}
